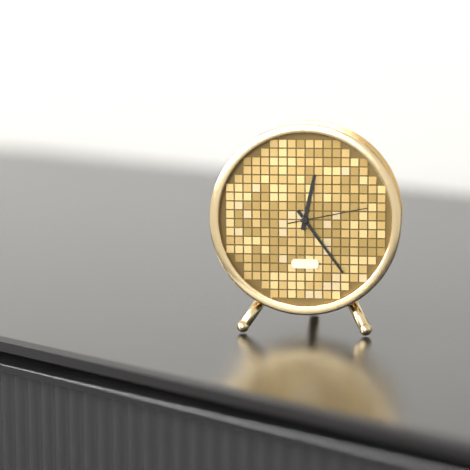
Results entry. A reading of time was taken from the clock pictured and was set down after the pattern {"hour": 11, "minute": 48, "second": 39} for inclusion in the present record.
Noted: {"hour": 12, "minute": 24, "second": 13}
